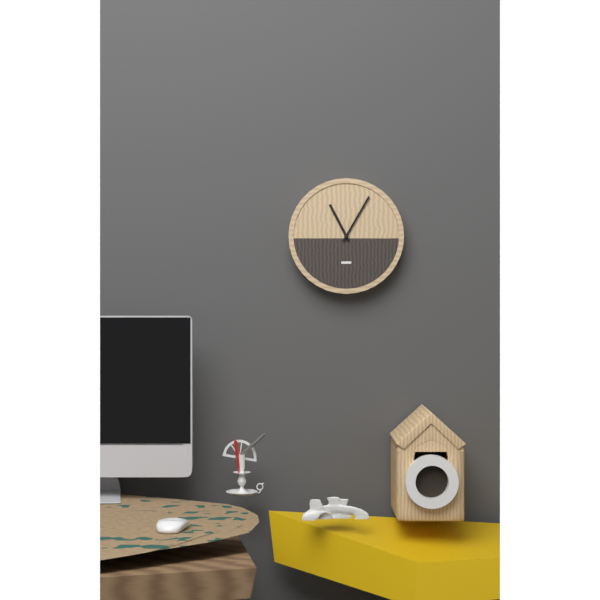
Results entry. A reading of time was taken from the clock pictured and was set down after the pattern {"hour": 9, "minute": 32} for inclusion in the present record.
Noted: {"hour": 11, "minute": 5}
